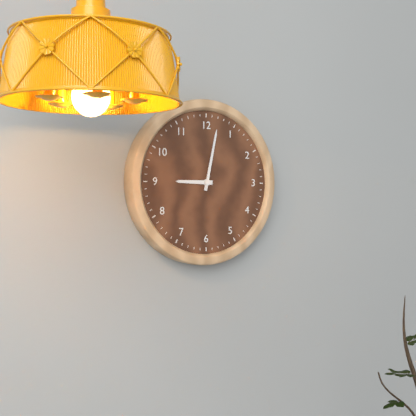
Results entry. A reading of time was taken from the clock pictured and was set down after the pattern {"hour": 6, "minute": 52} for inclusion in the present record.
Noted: {"hour": 9, "minute": 2}
